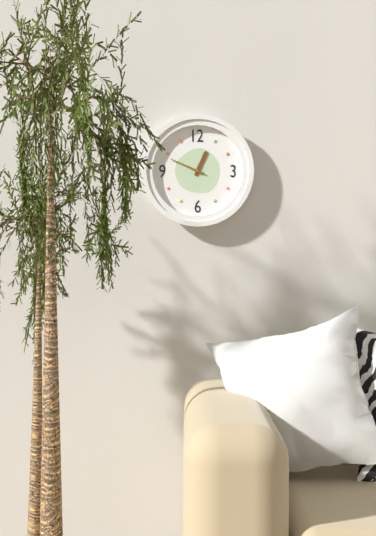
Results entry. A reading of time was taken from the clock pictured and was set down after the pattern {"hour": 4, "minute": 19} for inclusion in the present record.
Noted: {"hour": 12, "minute": 49}
